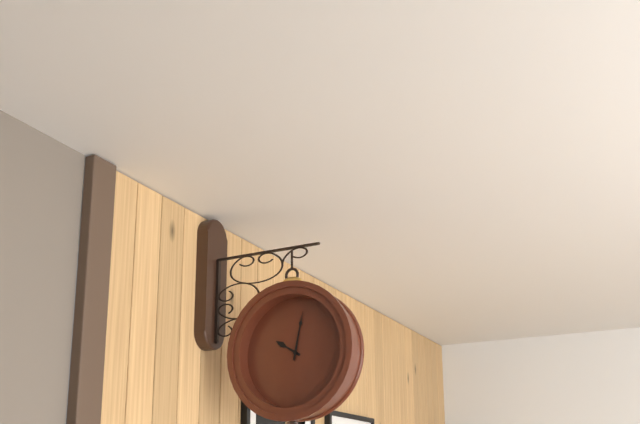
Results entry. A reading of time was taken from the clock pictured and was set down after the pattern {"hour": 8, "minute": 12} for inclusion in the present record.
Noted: {"hour": 10, "minute": 2}
